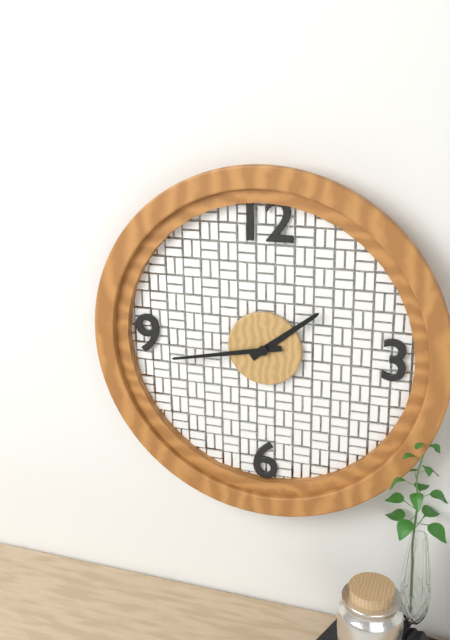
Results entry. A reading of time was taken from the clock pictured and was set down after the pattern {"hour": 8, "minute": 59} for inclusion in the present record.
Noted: {"hour": 1, "minute": 43}
